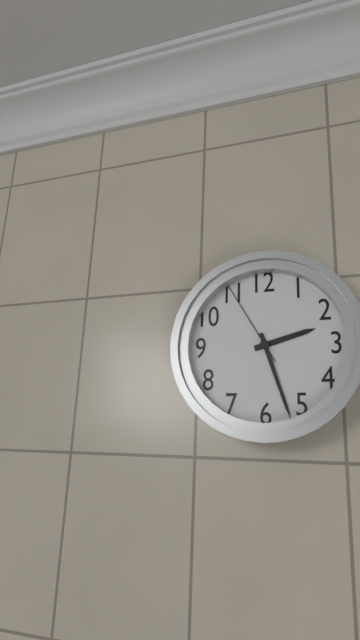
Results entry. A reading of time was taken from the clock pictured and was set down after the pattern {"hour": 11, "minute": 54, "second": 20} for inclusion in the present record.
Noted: {"hour": 2, "minute": 27, "second": 55}
